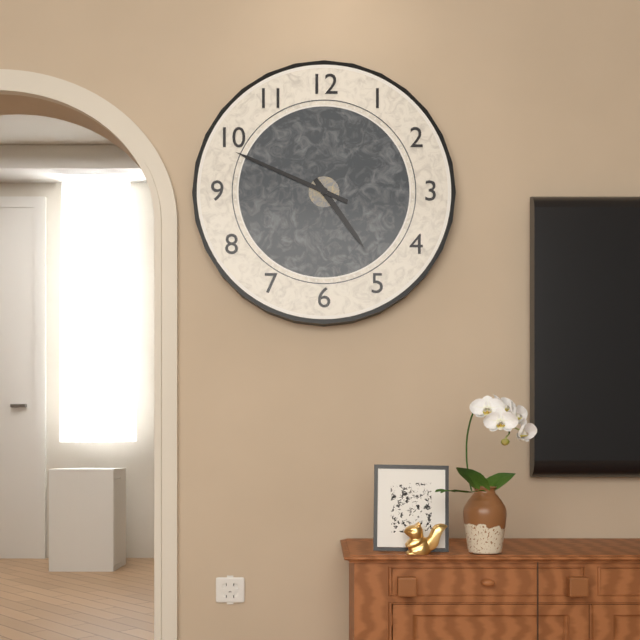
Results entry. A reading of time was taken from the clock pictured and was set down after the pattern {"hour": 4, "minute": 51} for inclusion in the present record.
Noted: {"hour": 4, "minute": 49}
